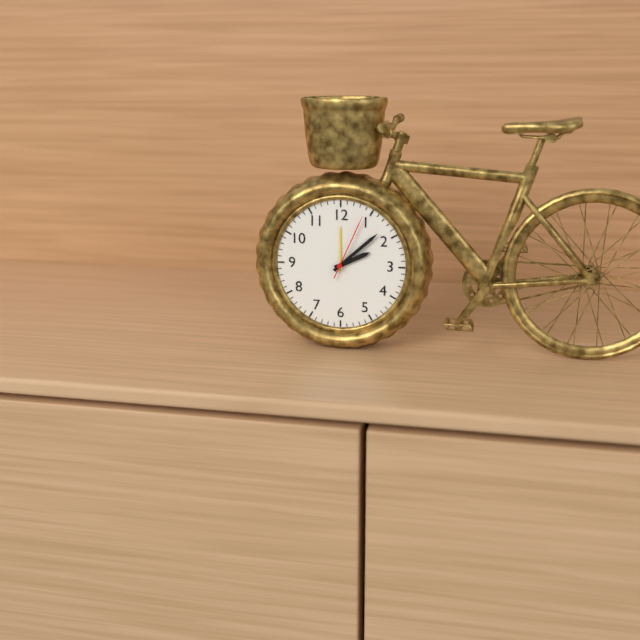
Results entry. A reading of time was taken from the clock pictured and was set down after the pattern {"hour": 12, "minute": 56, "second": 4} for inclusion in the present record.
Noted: {"hour": 2, "minute": 8, "second": 4}
